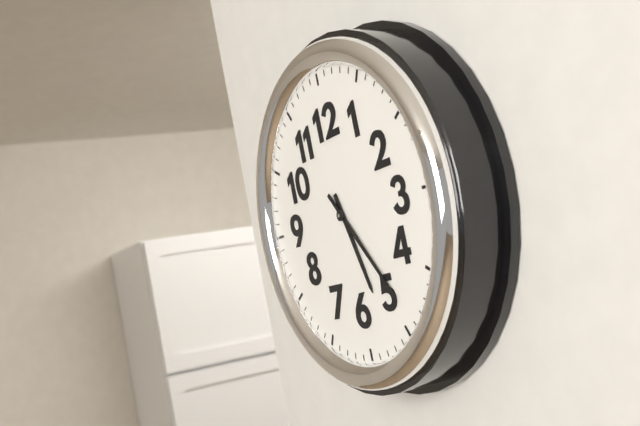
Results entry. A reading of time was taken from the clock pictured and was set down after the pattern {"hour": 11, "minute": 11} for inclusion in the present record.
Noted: {"hour": 5, "minute": 24}
